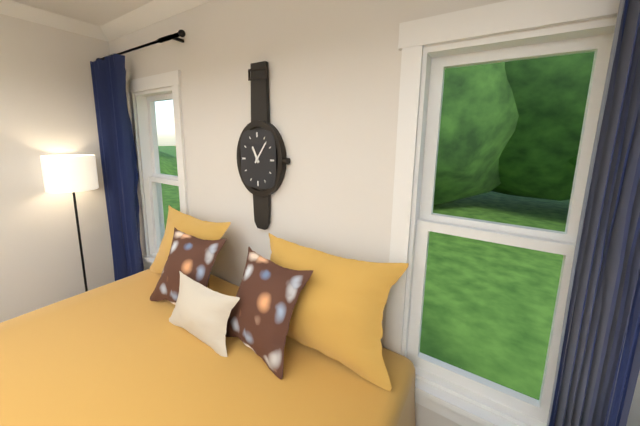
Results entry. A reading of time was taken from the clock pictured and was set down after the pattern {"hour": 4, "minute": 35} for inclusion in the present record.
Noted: {"hour": 11, "minute": 6}
